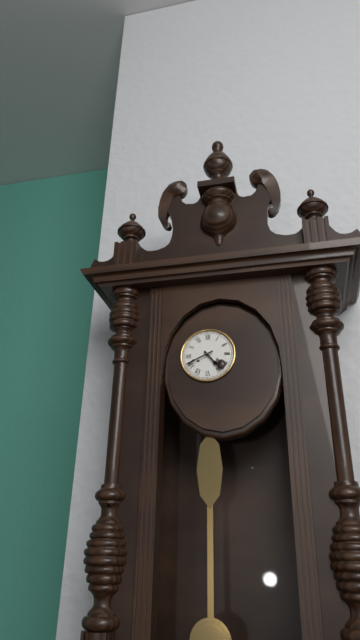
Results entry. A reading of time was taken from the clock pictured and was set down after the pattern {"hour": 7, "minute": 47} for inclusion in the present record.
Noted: {"hour": 4, "minute": 41}
